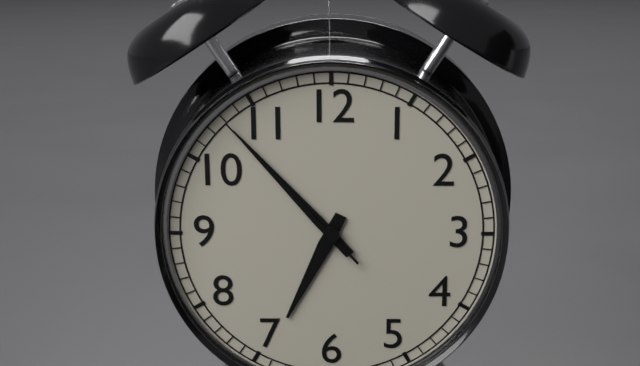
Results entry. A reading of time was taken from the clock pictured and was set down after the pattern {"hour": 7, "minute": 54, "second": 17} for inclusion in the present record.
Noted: {"hour": 6, "minute": 53, "second": 53}
